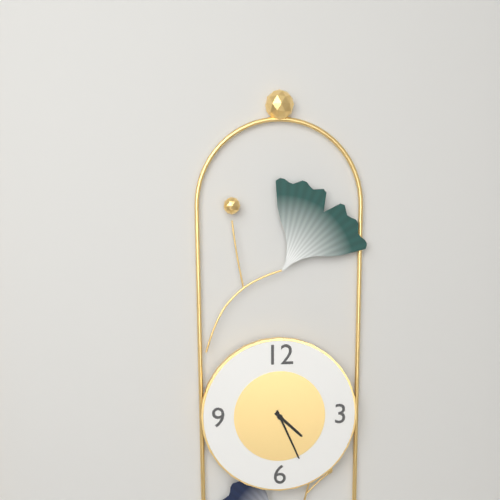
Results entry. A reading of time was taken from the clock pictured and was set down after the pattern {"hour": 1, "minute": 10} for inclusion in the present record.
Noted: {"hour": 4, "minute": 26}
